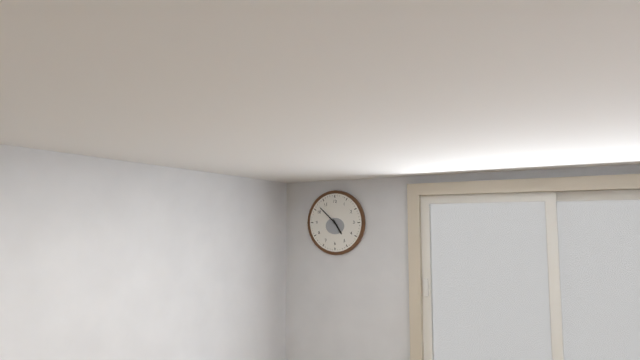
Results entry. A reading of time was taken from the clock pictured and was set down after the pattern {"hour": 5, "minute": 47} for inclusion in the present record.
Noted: {"hour": 4, "minute": 52}
